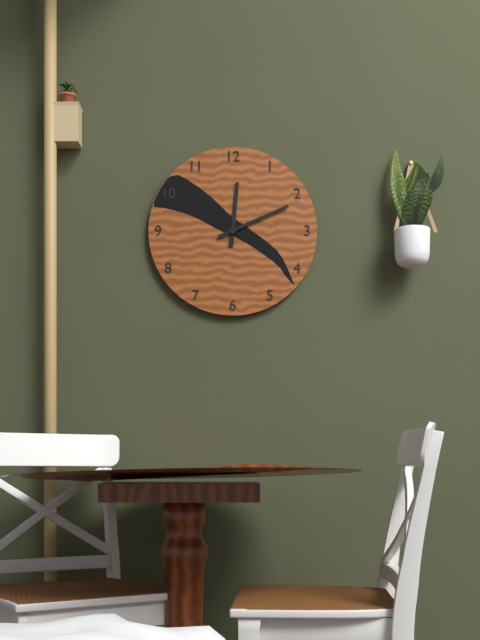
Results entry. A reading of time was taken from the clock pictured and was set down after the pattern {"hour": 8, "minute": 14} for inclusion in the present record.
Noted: {"hour": 12, "minute": 11}
